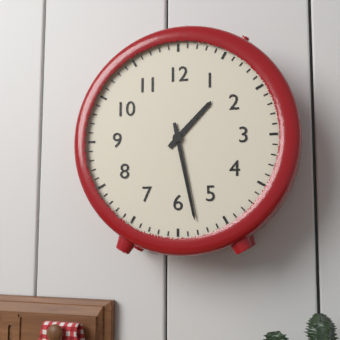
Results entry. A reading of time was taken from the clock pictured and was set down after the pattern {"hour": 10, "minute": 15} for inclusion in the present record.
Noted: {"hour": 1, "minute": 28}
